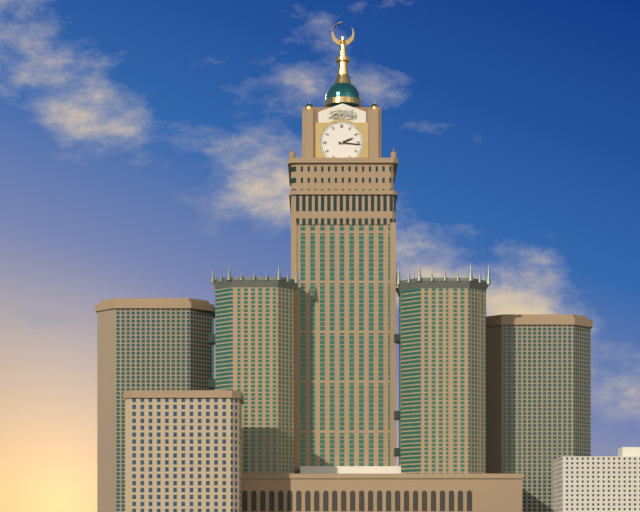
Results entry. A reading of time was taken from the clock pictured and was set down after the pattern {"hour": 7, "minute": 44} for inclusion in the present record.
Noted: {"hour": 2, "minute": 16}
